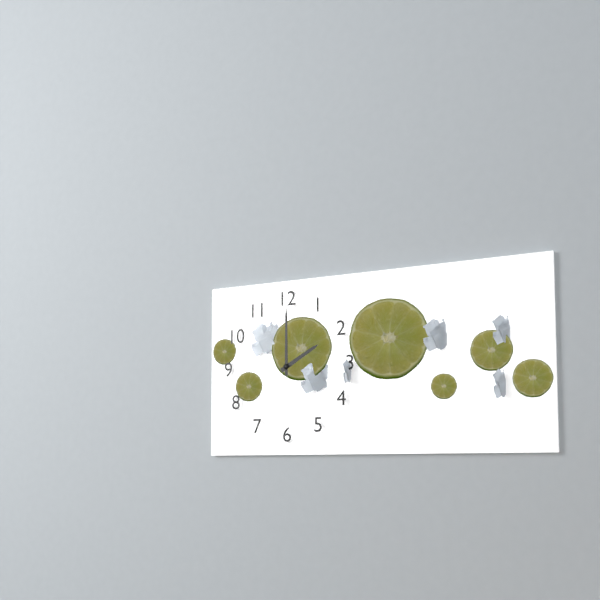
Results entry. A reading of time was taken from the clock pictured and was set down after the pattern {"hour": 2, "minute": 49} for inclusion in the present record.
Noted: {"hour": 2, "minute": 0}
